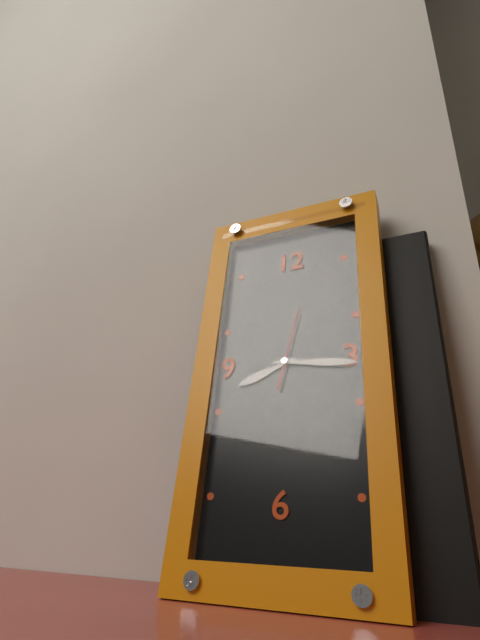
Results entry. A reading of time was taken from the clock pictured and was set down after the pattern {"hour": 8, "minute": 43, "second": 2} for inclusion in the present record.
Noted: {"hour": 8, "minute": 16, "second": 2}
